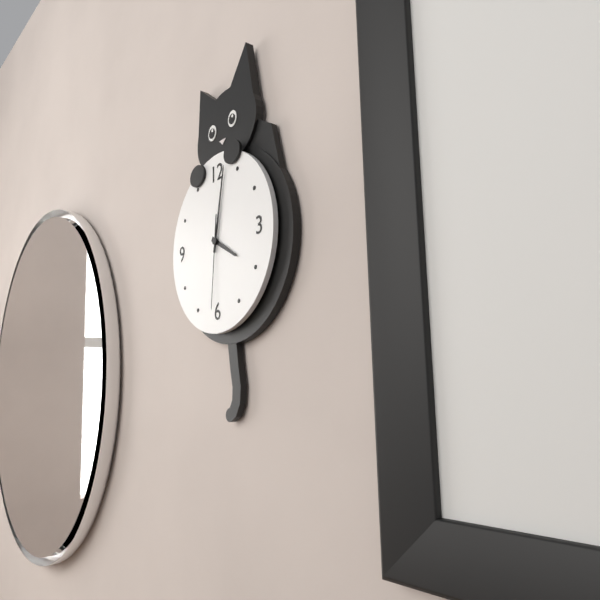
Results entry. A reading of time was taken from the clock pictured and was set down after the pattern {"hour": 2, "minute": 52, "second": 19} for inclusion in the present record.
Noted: {"hour": 4, "minute": 2, "second": 31}
